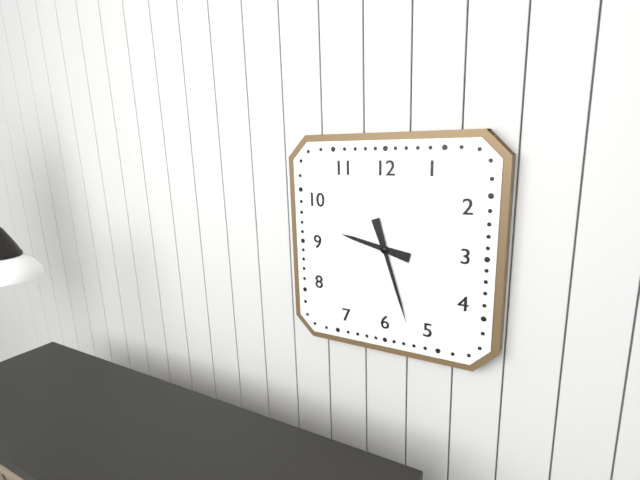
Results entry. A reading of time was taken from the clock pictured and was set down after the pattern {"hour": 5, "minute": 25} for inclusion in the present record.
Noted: {"hour": 9, "minute": 27}
